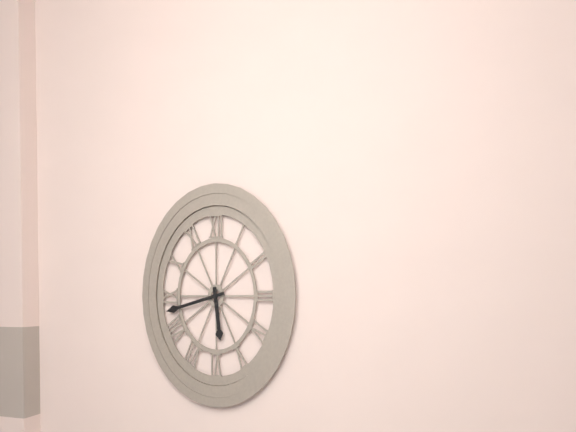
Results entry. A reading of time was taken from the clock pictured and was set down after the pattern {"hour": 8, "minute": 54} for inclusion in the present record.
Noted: {"hour": 5, "minute": 43}
